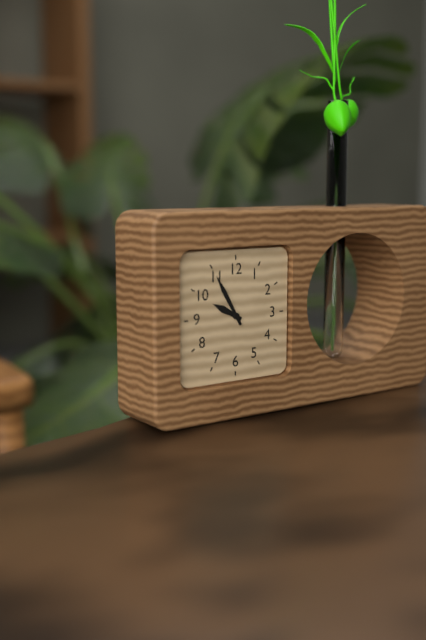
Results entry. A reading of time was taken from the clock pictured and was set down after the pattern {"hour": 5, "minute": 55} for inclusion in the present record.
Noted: {"hour": 9, "minute": 55}
